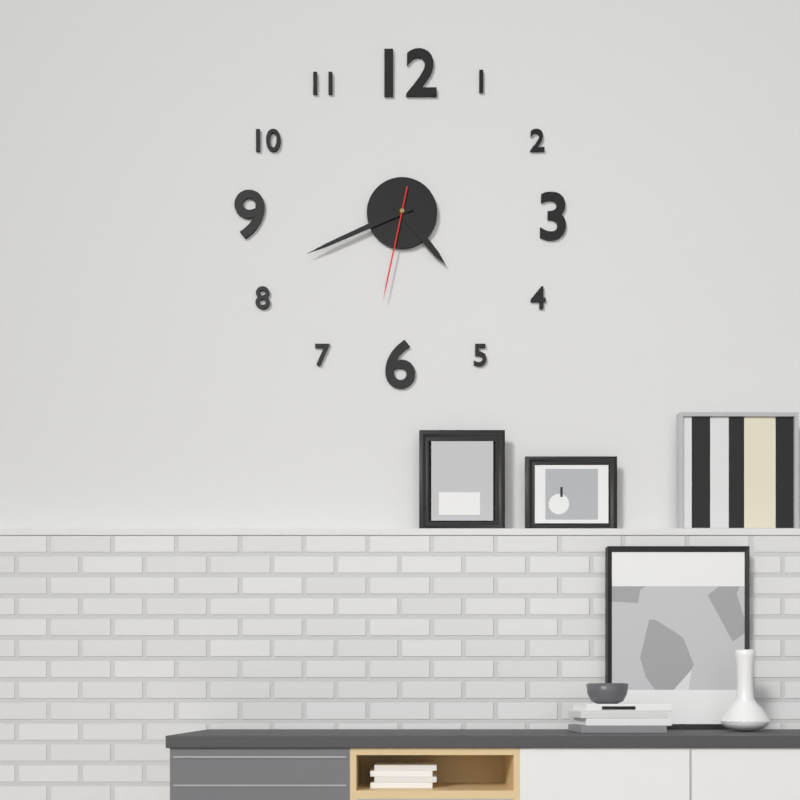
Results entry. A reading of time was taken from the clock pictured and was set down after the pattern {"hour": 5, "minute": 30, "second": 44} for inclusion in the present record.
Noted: {"hour": 4, "minute": 41, "second": 32}
